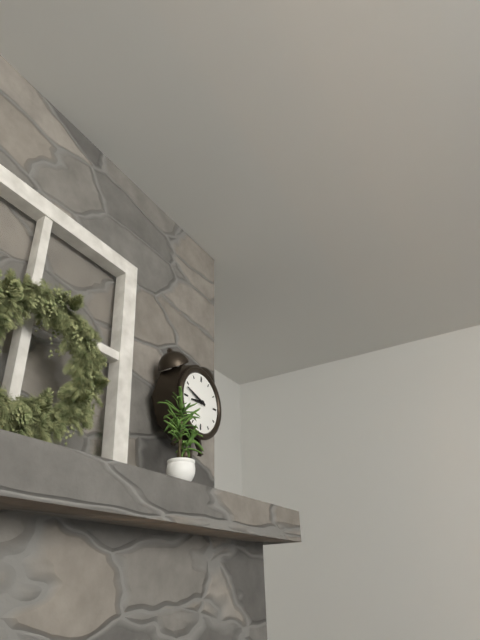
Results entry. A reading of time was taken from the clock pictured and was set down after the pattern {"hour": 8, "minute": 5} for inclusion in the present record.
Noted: {"hour": 8, "minute": 48}
